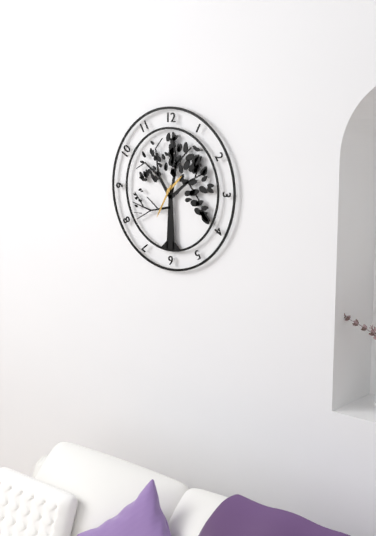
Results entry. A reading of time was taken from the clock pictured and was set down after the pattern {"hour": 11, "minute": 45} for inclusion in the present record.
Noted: {"hour": 1, "minute": 35}
